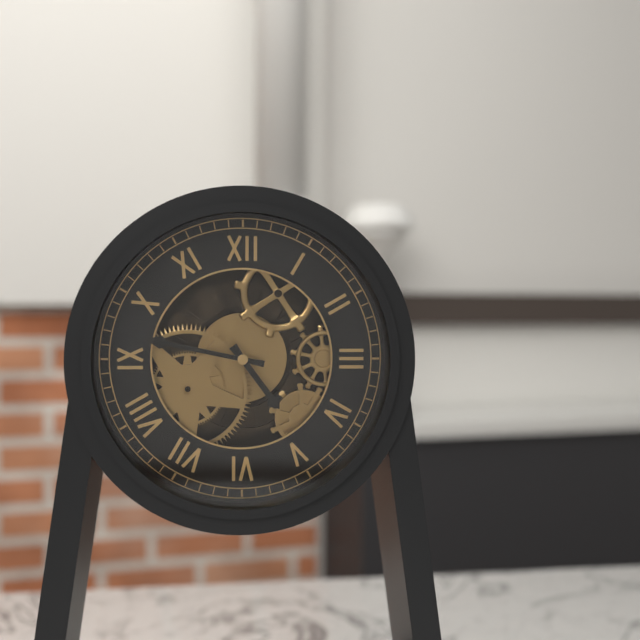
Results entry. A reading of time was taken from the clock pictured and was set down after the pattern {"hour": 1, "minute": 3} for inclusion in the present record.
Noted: {"hour": 4, "minute": 47}
